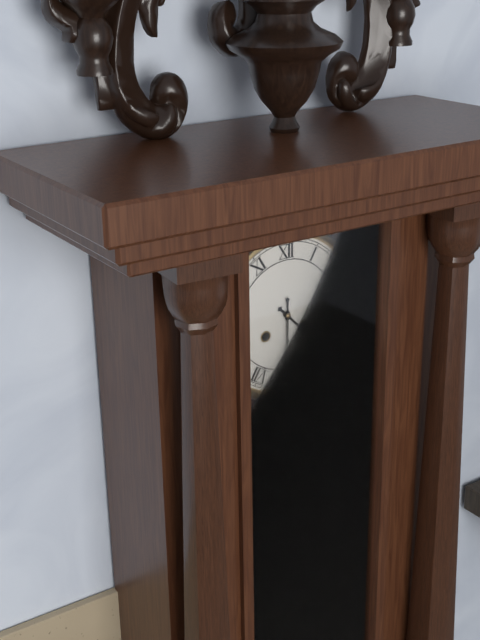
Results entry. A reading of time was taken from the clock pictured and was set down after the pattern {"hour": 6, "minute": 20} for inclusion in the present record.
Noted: {"hour": 4, "minute": 30}
